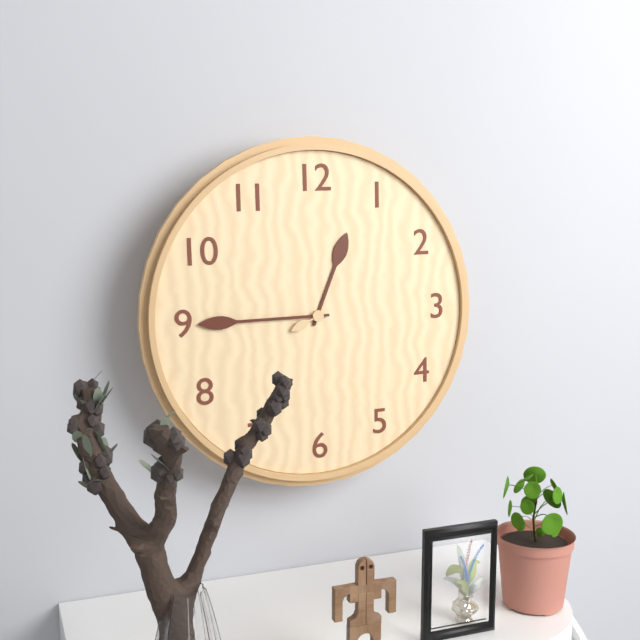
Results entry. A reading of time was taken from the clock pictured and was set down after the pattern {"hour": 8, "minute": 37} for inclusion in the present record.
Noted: {"hour": 12, "minute": 45}
